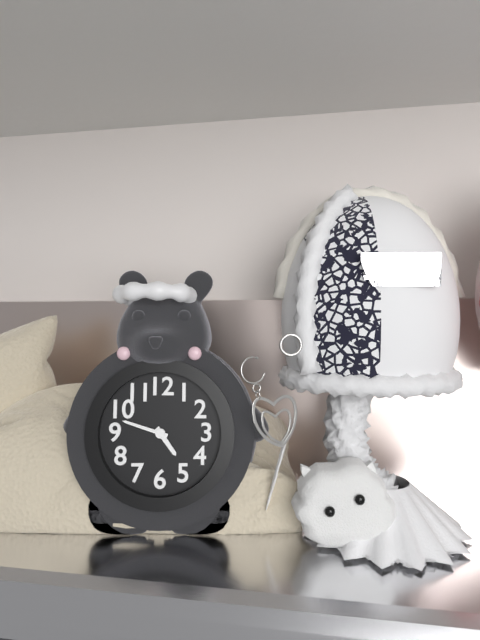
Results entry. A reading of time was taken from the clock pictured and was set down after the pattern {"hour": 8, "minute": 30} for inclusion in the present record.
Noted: {"hour": 4, "minute": 48}
